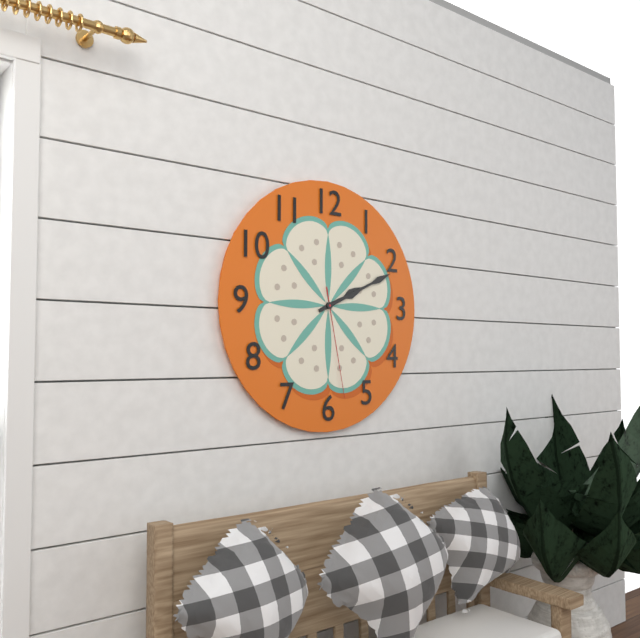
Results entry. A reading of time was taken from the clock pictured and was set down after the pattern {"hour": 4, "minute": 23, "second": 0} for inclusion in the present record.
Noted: {"hour": 2, "minute": 11, "second": 28}
